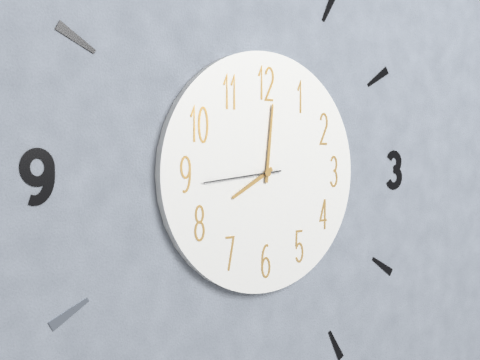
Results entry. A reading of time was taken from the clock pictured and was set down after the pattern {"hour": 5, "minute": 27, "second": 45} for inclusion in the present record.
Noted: {"hour": 8, "minute": 1, "second": 44}
